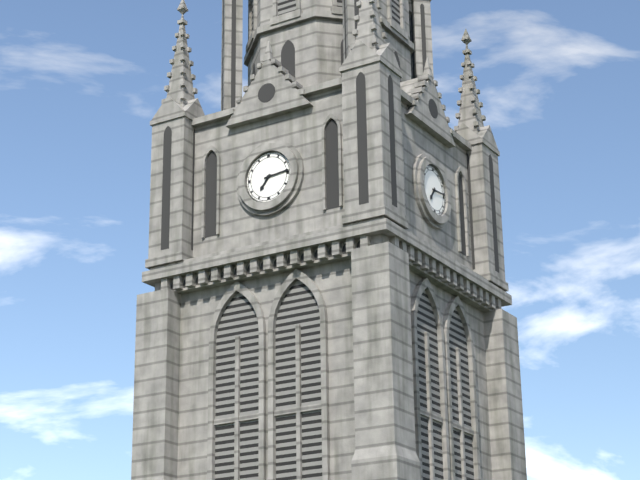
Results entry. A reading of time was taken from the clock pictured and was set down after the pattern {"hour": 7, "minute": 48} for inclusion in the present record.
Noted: {"hour": 7, "minute": 14}
